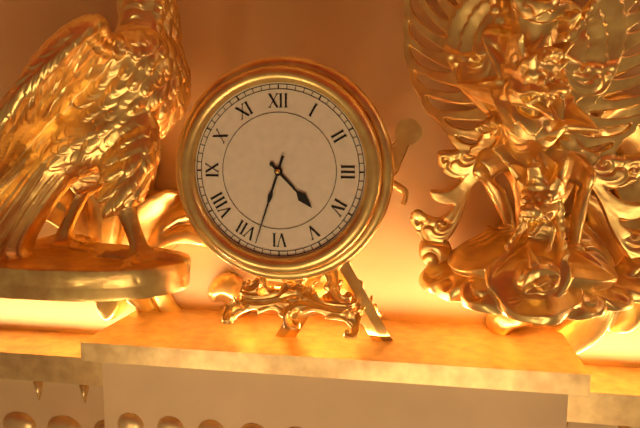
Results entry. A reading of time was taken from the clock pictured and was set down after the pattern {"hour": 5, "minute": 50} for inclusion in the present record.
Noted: {"hour": 4, "minute": 33}
